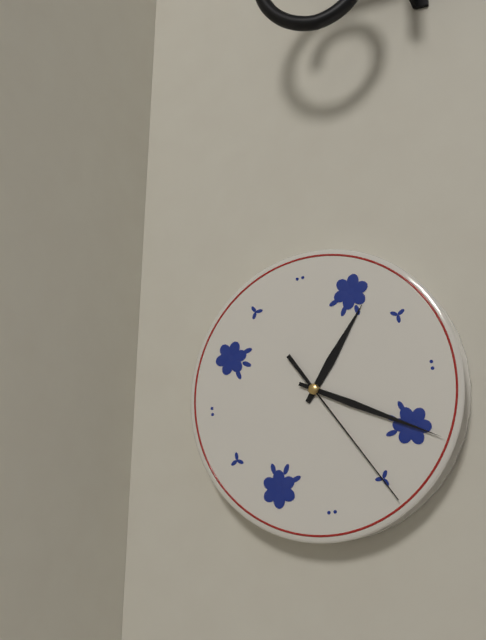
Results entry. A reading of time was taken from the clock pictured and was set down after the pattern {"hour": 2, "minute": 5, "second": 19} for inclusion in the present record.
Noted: {"hour": 1, "minute": 20, "second": 25}
